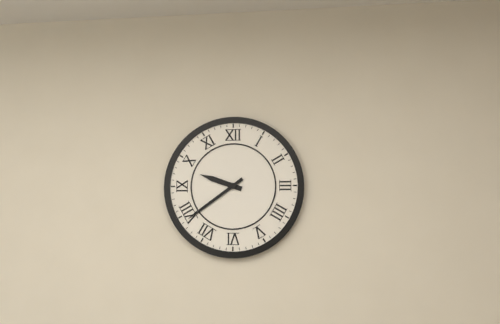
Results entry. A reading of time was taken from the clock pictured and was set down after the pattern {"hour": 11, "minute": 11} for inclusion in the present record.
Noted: {"hour": 9, "minute": 39}
